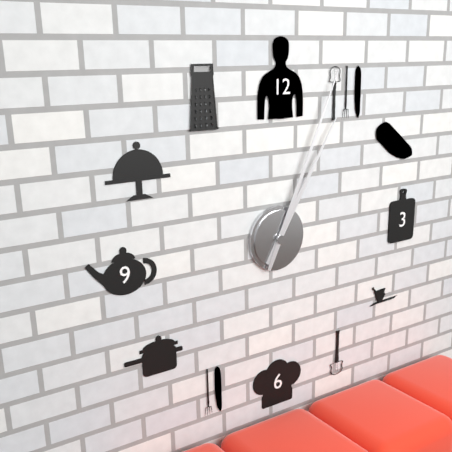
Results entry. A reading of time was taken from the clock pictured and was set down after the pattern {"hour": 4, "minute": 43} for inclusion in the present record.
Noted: {"hour": 1, "minute": 4}
